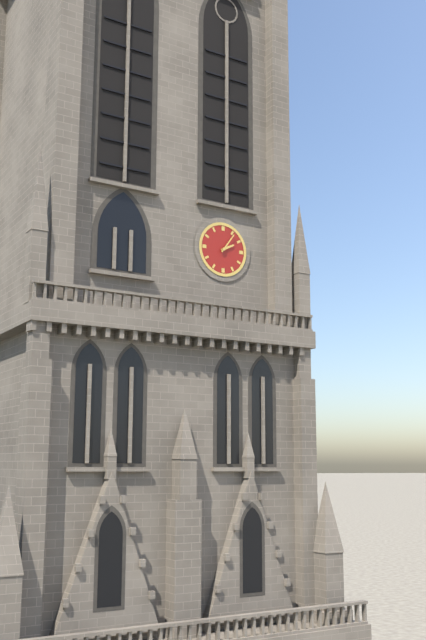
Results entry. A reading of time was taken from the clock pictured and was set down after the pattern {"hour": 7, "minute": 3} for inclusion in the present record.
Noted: {"hour": 2, "minute": 6}
